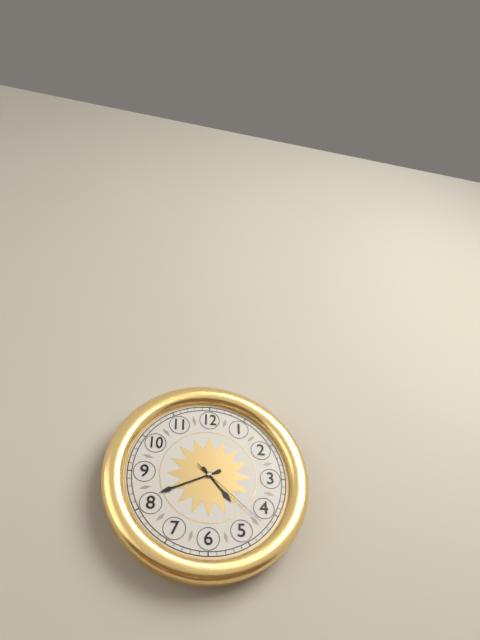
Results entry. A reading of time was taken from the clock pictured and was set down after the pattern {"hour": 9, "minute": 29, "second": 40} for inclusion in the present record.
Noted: {"hour": 4, "minute": 41, "second": 22}
